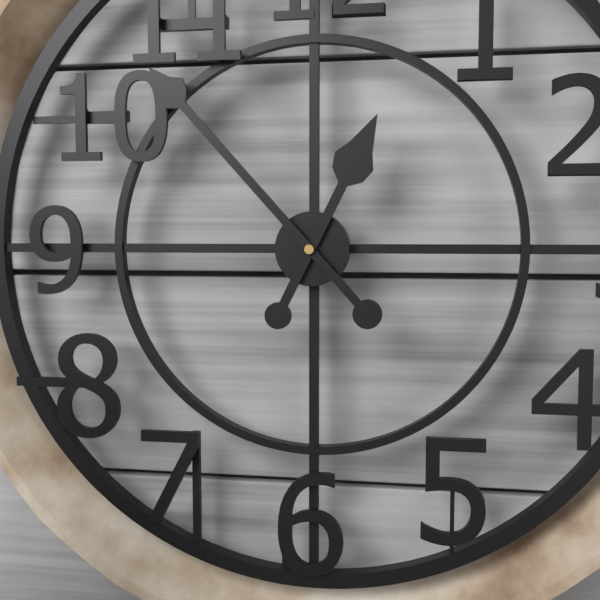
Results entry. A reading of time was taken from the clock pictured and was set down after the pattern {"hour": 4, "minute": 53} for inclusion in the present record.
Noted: {"hour": 12, "minute": 53}
